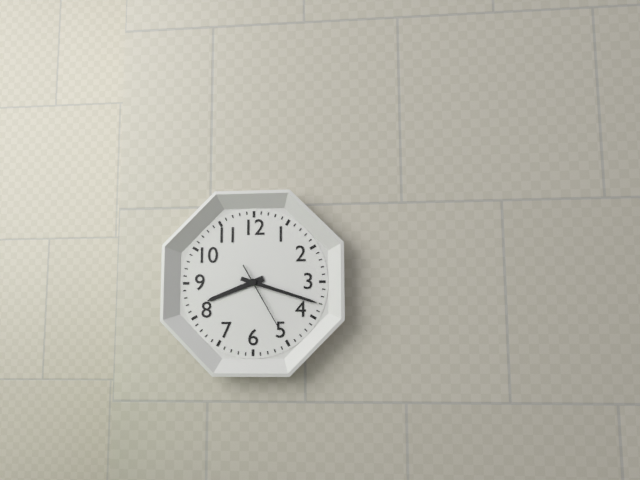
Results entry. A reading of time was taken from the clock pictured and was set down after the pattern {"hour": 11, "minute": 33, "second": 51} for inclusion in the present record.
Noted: {"hour": 8, "minute": 18, "second": 25}
